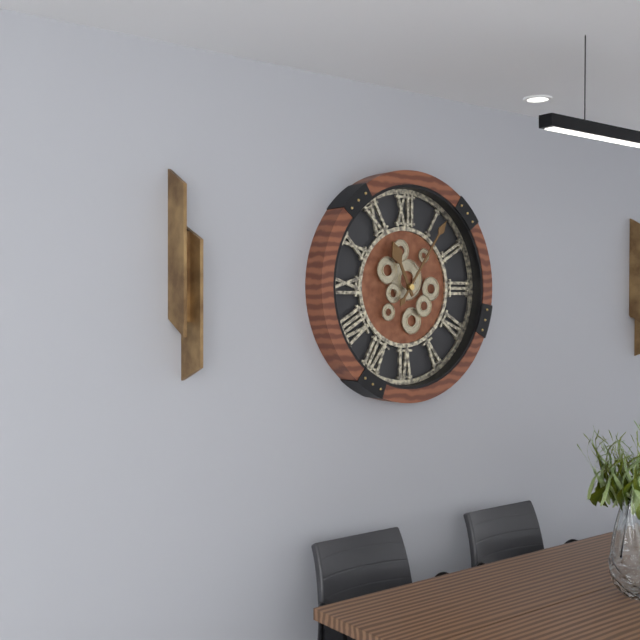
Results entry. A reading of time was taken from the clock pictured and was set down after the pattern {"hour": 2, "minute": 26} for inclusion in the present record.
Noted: {"hour": 11, "minute": 6}
